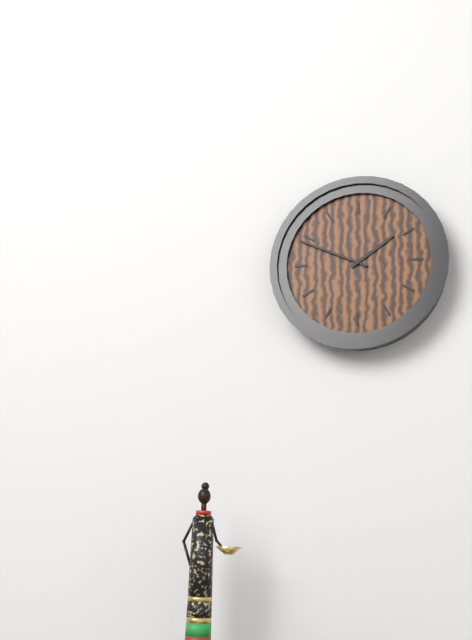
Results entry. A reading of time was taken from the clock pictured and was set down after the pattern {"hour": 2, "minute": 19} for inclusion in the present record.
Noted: {"hour": 1, "minute": 49}
